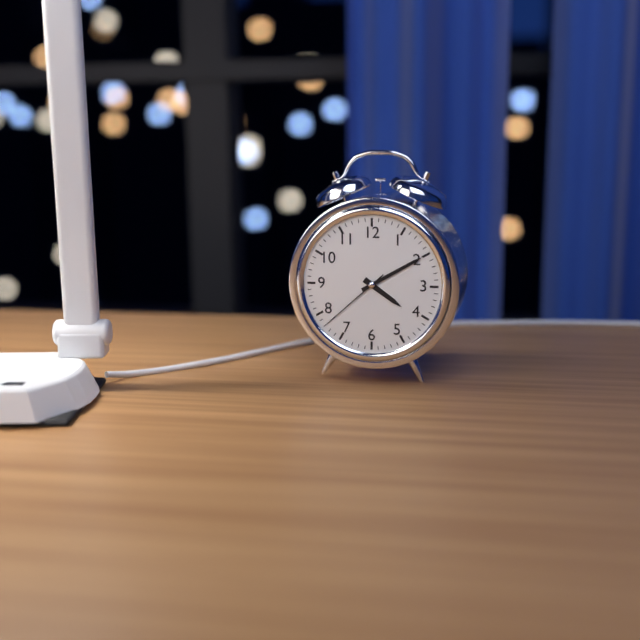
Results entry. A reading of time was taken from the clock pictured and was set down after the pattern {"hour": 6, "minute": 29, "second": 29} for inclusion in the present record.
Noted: {"hour": 4, "minute": 10, "second": 38}
